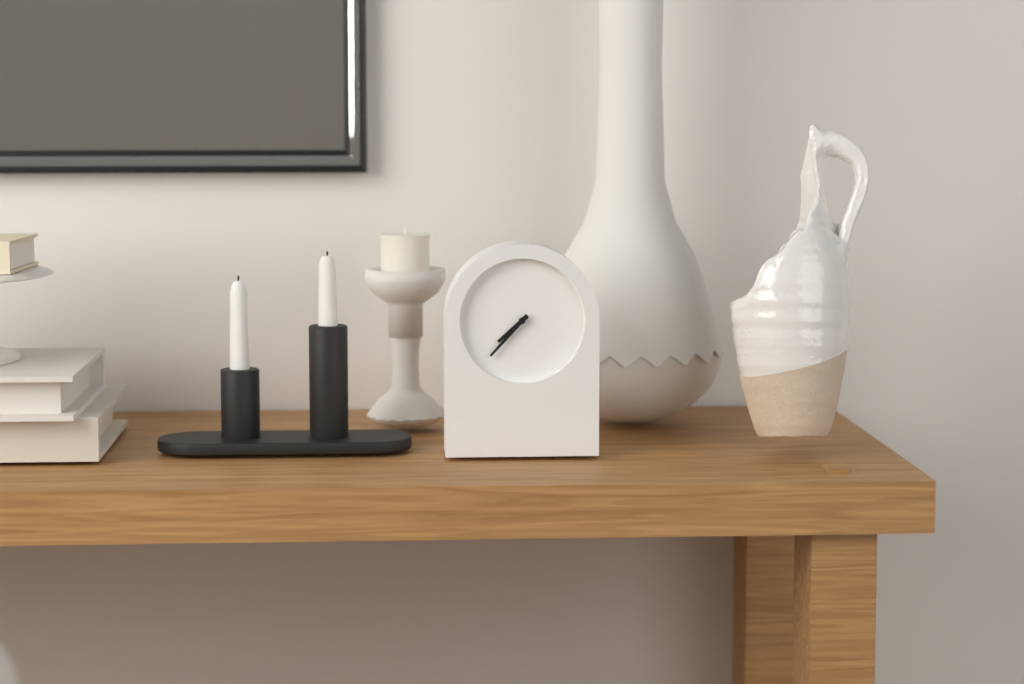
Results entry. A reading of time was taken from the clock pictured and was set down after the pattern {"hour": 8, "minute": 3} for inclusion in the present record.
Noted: {"hour": 7, "minute": 37}
